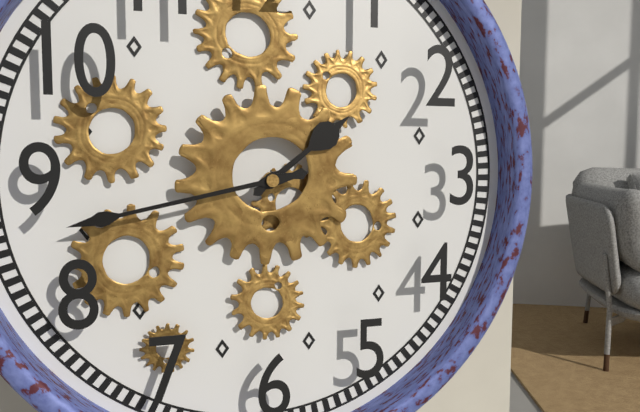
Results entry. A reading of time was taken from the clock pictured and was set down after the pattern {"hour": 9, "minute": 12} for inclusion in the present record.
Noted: {"hour": 1, "minute": 43}
